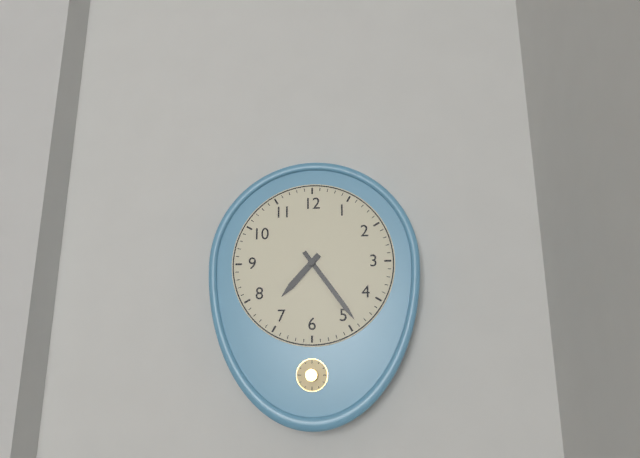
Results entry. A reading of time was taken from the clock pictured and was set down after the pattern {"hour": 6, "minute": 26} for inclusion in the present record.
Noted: {"hour": 7, "minute": 24}
